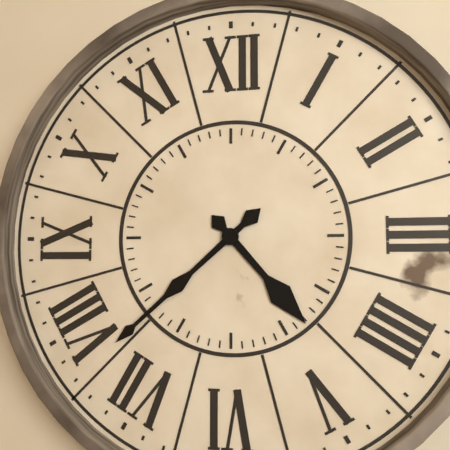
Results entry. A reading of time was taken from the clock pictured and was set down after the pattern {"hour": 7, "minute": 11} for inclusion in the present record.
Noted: {"hour": 4, "minute": 38}
